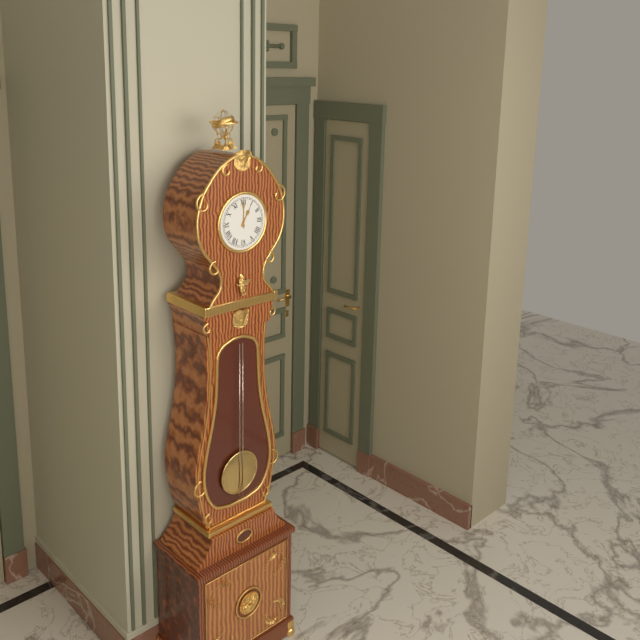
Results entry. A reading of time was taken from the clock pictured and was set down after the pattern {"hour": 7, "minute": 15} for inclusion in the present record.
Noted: {"hour": 1, "minute": 0}
